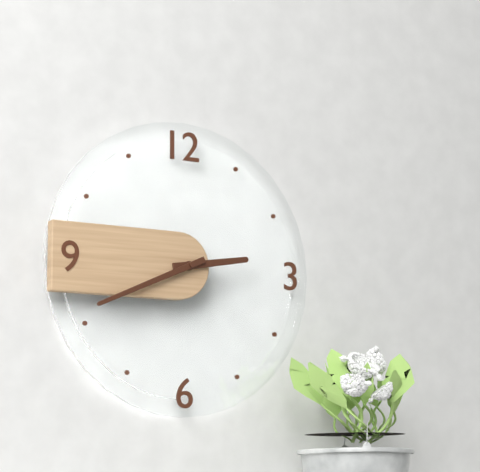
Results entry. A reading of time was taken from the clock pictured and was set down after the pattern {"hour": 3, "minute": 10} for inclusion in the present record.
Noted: {"hour": 2, "minute": 41}
